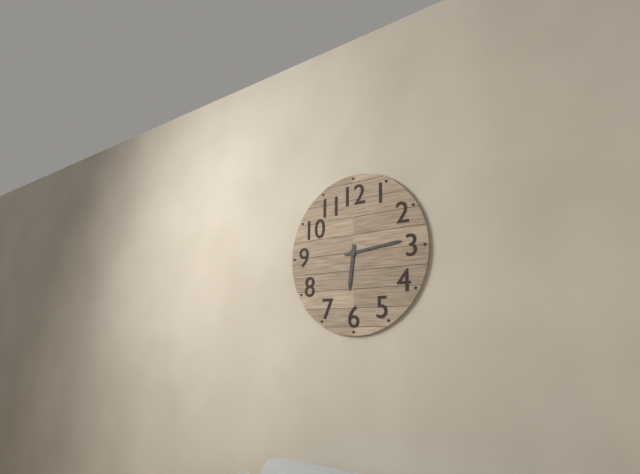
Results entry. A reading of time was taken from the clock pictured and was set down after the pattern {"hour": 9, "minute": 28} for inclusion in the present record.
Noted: {"hour": 6, "minute": 14}
